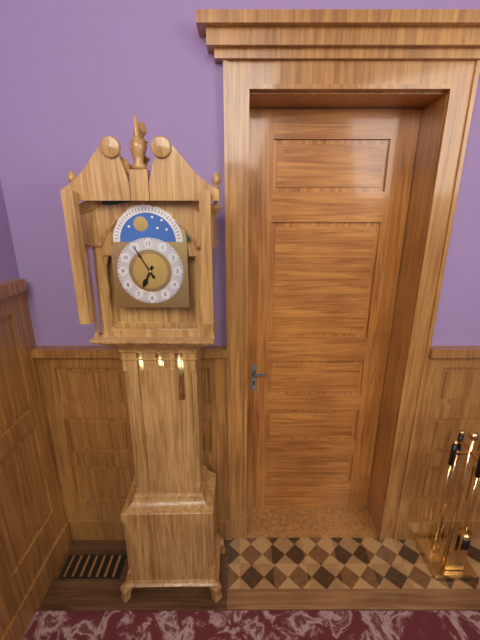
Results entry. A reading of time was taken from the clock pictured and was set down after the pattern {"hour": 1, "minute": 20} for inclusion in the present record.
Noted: {"hour": 6, "minute": 55}
